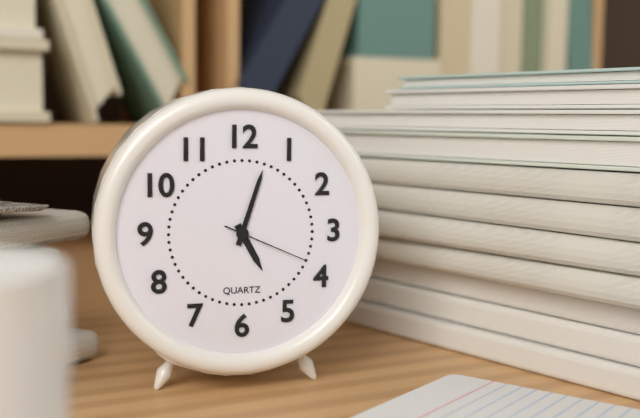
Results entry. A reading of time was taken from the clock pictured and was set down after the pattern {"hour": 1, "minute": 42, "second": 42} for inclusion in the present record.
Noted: {"hour": 5, "minute": 3, "second": 19}
